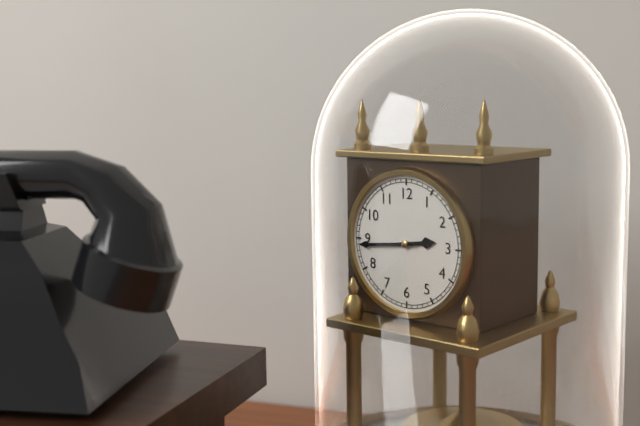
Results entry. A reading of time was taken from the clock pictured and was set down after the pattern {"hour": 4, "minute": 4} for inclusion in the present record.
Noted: {"hour": 2, "minute": 44}
